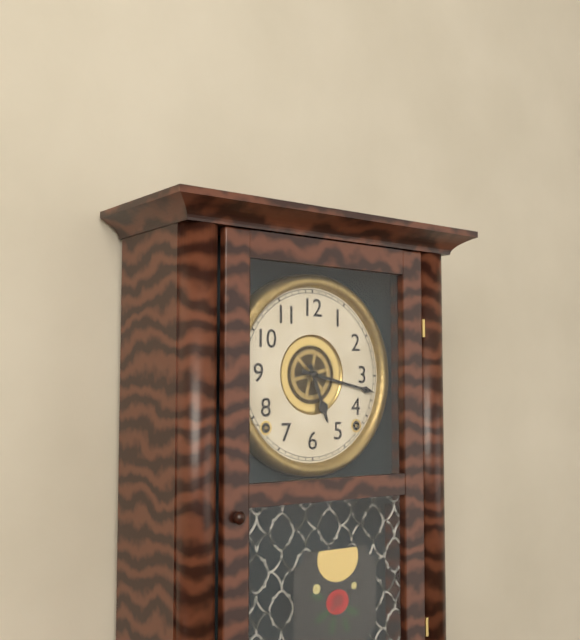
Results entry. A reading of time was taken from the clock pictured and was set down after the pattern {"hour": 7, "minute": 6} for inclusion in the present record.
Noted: {"hour": 5, "minute": 17}
